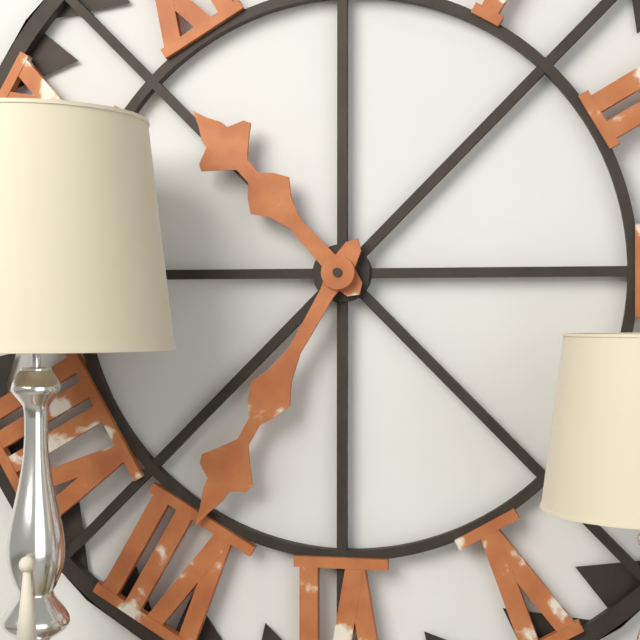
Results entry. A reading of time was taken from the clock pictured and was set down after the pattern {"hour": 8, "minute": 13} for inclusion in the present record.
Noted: {"hour": 10, "minute": 35}
